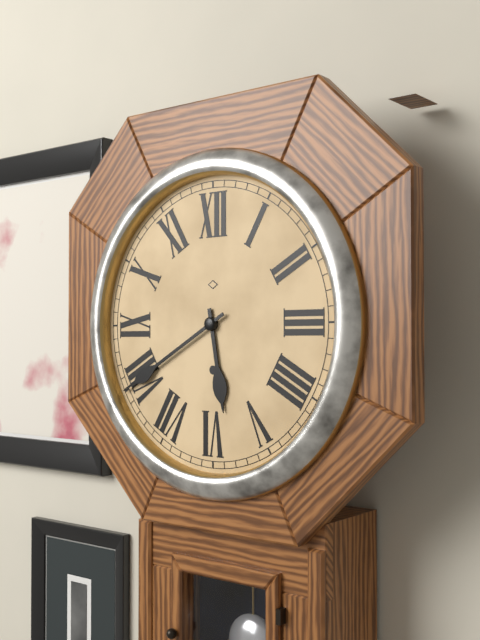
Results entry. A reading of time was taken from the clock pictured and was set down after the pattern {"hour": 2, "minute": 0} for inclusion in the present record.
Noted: {"hour": 5, "minute": 40}
